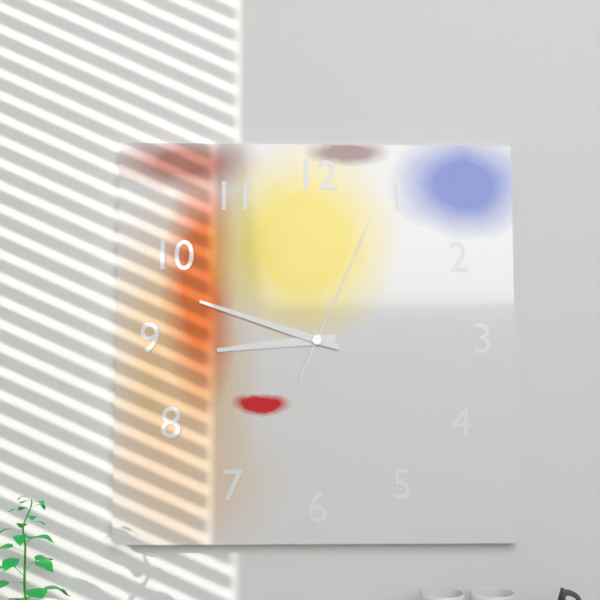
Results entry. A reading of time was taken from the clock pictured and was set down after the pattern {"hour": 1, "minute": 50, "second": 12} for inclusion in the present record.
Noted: {"hour": 8, "minute": 48, "second": 4}
